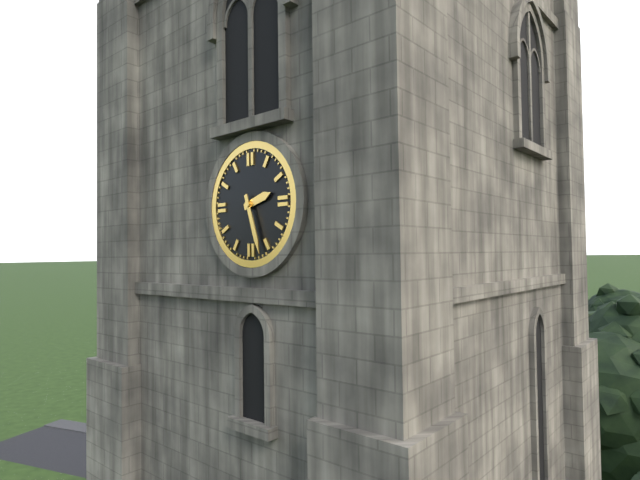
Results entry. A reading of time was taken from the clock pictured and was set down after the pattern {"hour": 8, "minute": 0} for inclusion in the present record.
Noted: {"hour": 2, "minute": 27}
